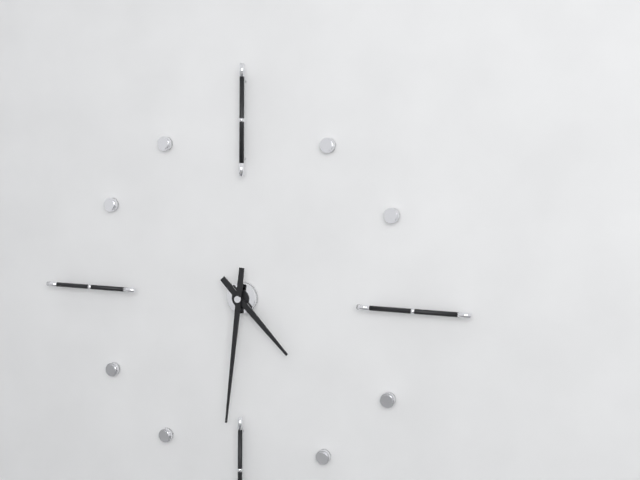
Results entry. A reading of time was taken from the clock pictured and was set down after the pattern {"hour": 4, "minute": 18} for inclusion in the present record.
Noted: {"hour": 4, "minute": 31}
